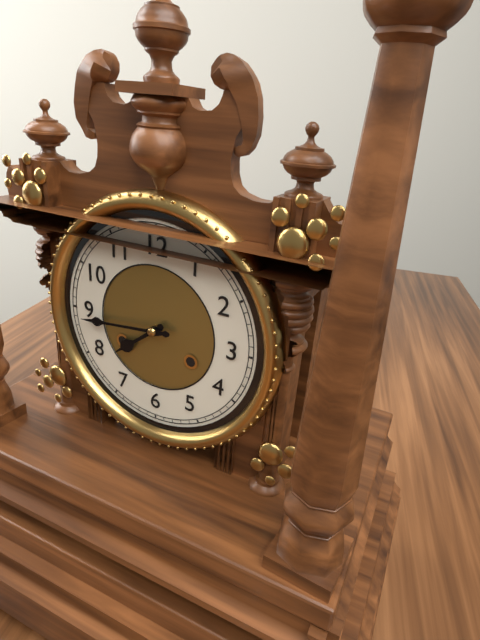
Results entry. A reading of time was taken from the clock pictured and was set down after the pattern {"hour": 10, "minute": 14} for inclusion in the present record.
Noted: {"hour": 7, "minute": 44}
